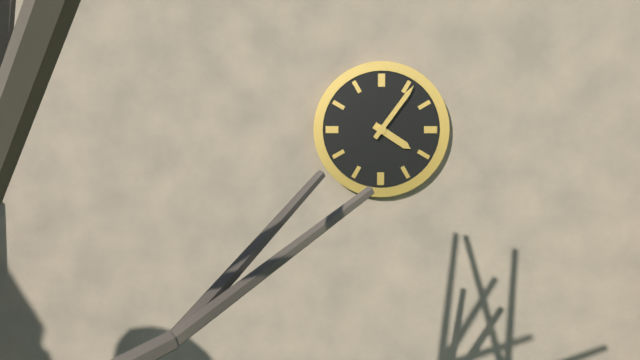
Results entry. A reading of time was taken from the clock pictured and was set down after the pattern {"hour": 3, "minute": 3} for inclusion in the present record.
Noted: {"hour": 4, "minute": 6}
